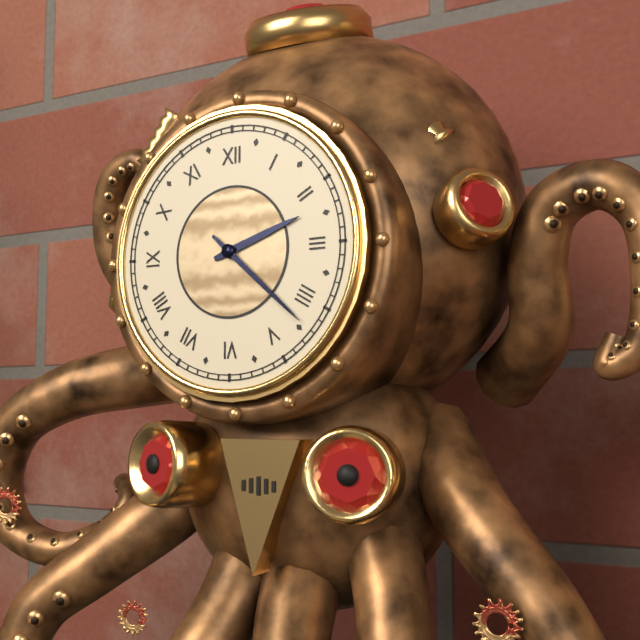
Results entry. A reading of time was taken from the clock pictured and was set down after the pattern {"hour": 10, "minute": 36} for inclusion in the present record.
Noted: {"hour": 2, "minute": 22}
